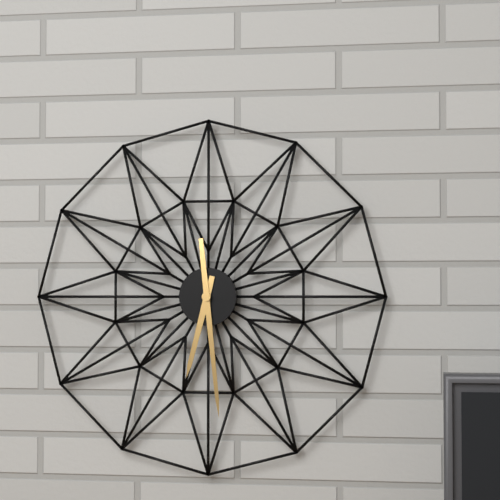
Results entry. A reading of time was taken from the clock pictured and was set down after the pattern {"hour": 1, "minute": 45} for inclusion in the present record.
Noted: {"hour": 6, "minute": 29}
